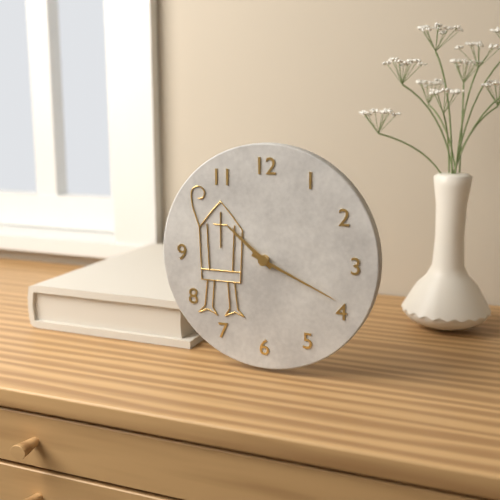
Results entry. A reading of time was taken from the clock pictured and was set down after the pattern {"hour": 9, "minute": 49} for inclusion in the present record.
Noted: {"hour": 10, "minute": 19}
